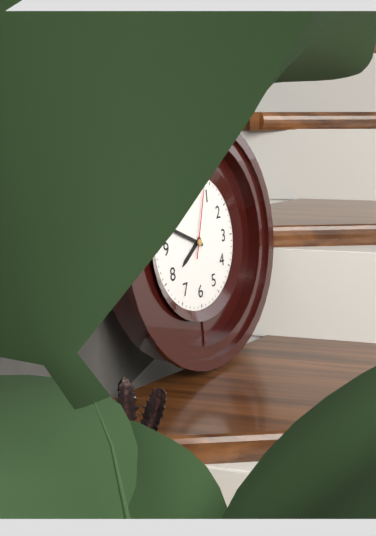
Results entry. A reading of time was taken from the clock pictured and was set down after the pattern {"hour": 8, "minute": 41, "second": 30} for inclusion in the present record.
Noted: {"hour": 7, "minute": 49, "second": 3}
